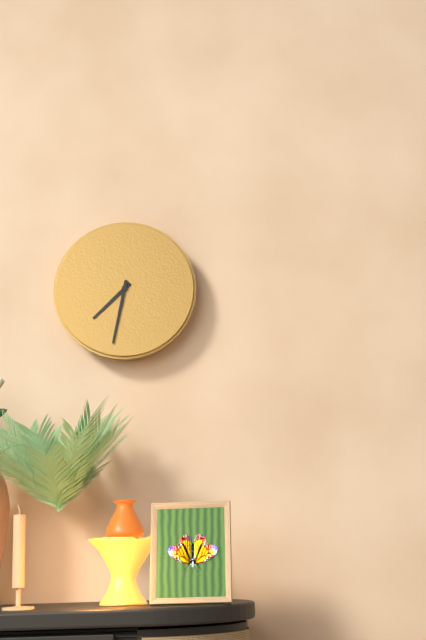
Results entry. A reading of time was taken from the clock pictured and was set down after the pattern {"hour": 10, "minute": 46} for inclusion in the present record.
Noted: {"hour": 7, "minute": 32}
